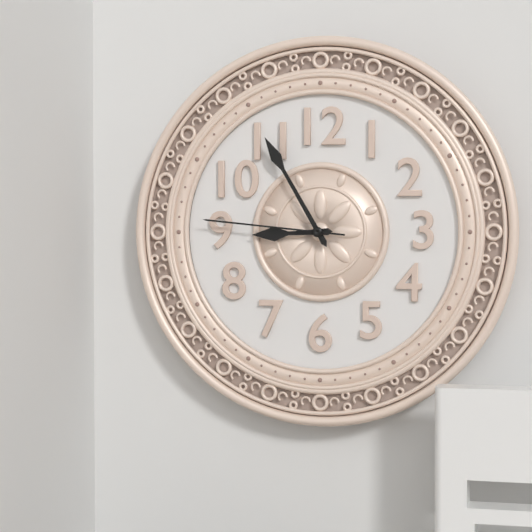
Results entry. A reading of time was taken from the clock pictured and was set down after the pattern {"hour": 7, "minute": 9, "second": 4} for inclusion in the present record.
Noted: {"hour": 8, "minute": 55, "second": 46}
